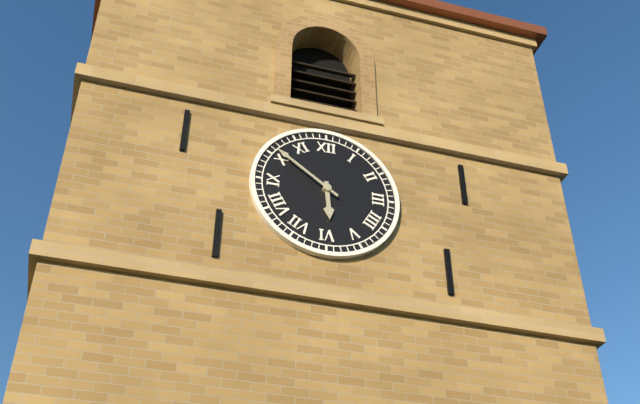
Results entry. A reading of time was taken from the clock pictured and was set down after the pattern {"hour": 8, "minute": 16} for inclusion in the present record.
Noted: {"hour": 5, "minute": 51}
